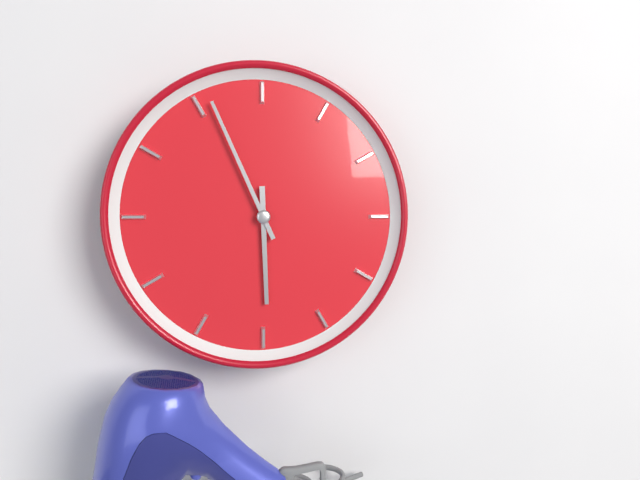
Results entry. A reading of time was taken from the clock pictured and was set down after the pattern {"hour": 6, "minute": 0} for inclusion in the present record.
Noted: {"hour": 5, "minute": 56}
